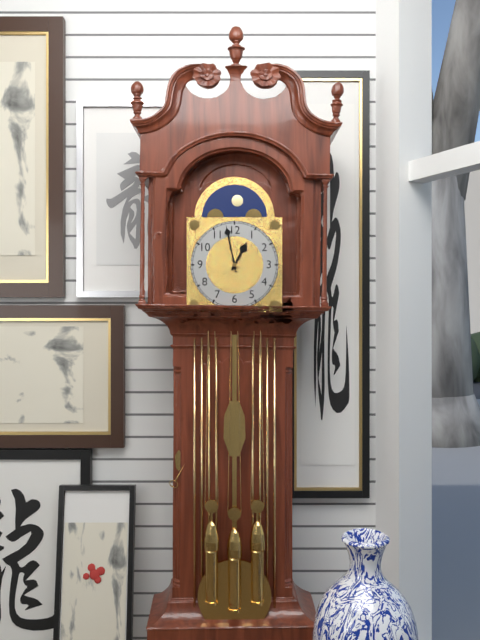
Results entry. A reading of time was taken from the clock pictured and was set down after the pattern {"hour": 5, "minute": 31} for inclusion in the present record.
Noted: {"hour": 12, "minute": 58}
